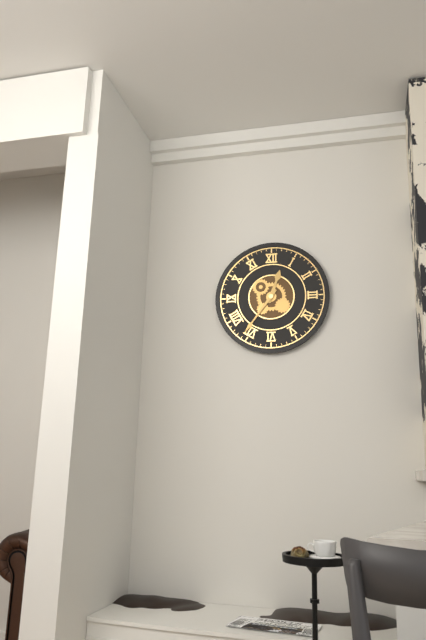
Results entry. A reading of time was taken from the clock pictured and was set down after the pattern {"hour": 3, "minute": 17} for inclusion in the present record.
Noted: {"hour": 12, "minute": 36}
